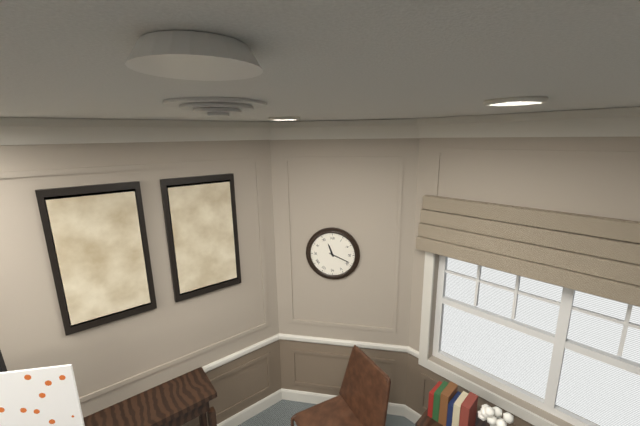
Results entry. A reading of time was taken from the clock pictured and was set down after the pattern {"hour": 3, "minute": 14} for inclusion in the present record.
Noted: {"hour": 11, "minute": 19}
